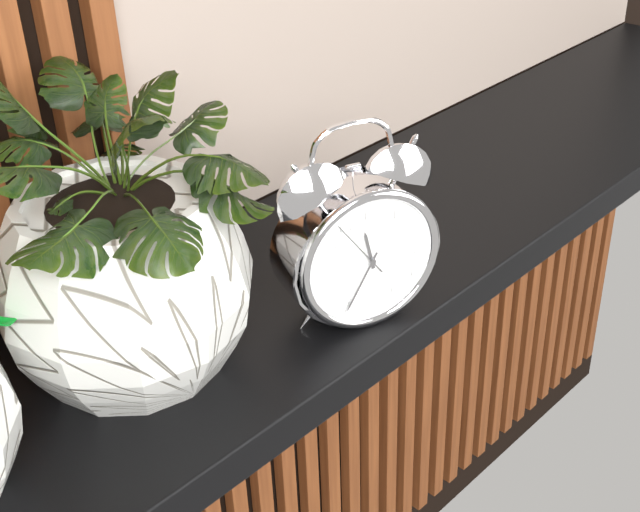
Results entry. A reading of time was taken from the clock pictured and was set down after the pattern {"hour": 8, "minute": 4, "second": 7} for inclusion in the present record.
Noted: {"hour": 11, "minute": 35, "second": 54}
